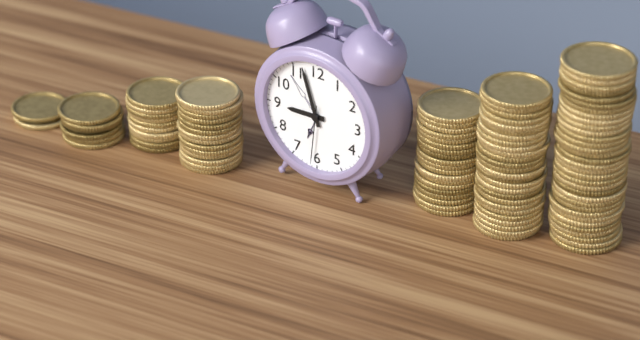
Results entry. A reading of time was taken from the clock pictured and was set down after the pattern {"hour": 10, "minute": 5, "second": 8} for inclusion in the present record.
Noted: {"hour": 8, "minute": 57, "second": 31}
